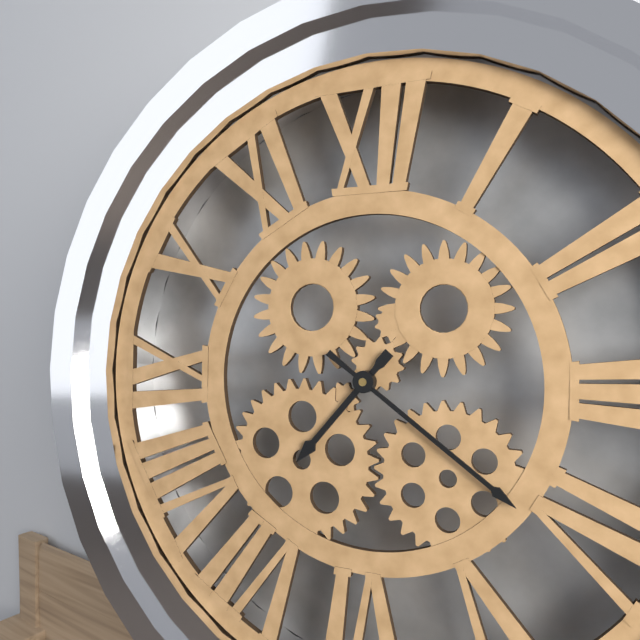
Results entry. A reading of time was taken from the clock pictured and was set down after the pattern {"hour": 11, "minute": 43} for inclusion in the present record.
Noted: {"hour": 7, "minute": 21}
